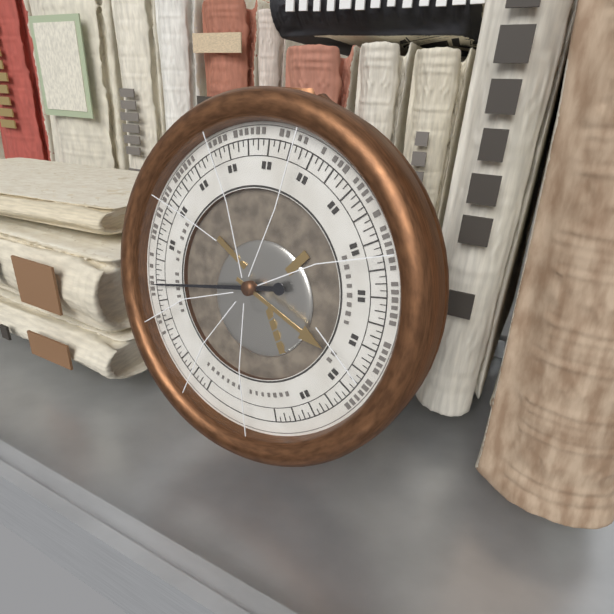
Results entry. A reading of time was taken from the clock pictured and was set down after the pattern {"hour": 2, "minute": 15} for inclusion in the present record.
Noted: {"hour": 3, "minute": 43}
